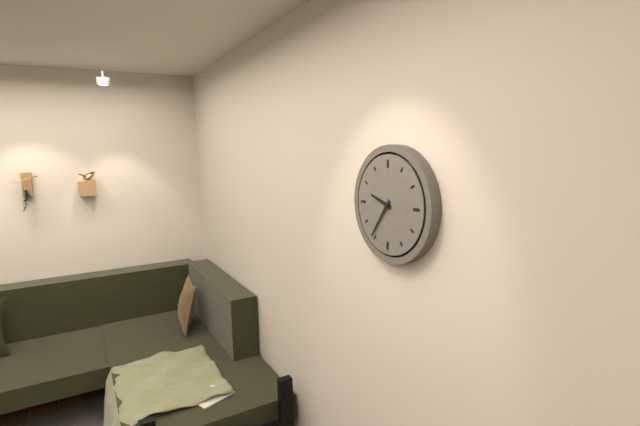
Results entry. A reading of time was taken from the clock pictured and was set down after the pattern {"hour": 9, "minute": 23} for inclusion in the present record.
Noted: {"hour": 9, "minute": 36}
